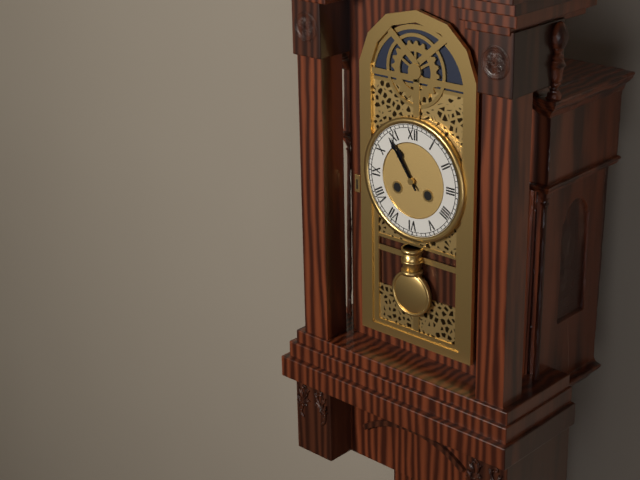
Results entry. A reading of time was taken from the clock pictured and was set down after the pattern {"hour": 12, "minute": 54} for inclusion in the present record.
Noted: {"hour": 10, "minute": 54}
